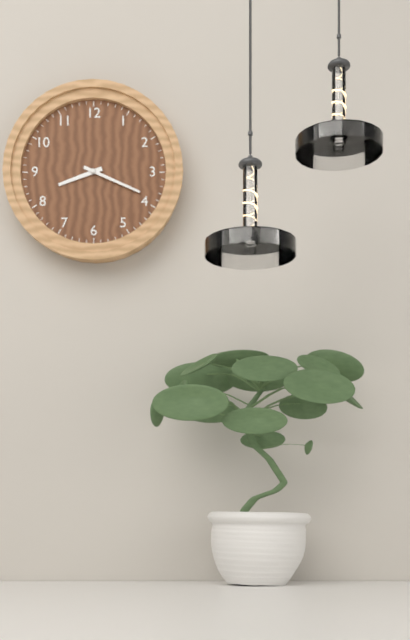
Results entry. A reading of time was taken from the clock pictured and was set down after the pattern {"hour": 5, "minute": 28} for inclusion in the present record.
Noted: {"hour": 8, "minute": 19}
